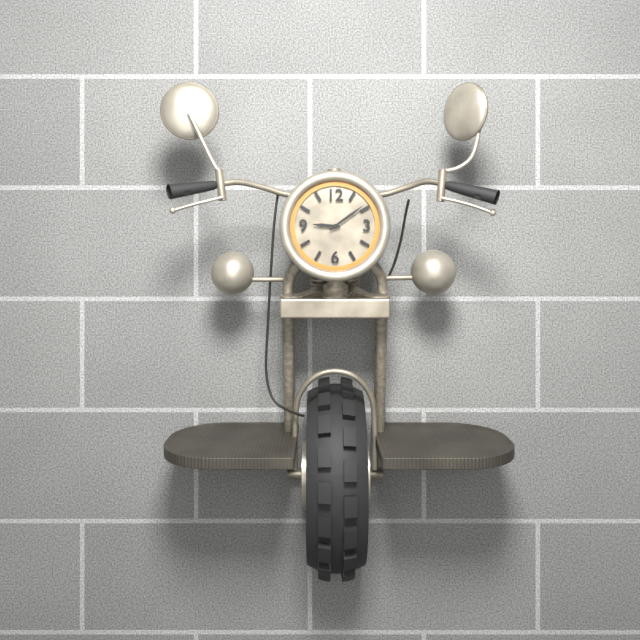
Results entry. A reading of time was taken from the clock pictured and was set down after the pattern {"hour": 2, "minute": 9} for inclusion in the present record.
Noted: {"hour": 9, "minute": 9}
